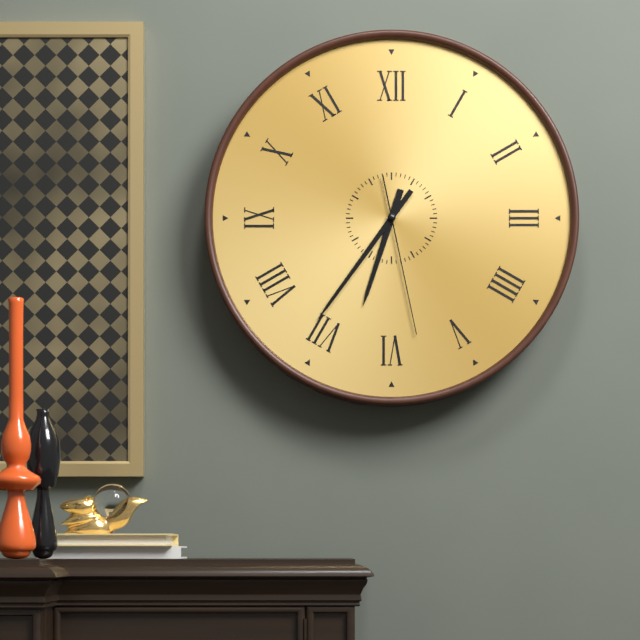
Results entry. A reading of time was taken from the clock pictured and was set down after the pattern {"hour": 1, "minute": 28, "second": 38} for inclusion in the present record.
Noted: {"hour": 6, "minute": 36, "second": 28}
